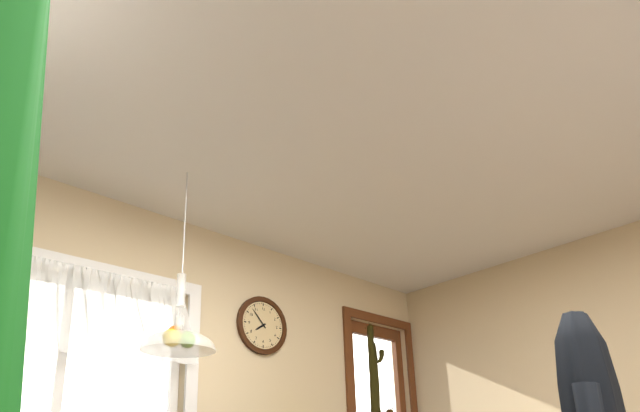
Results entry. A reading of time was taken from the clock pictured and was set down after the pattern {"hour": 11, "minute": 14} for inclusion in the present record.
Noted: {"hour": 7, "minute": 53}
